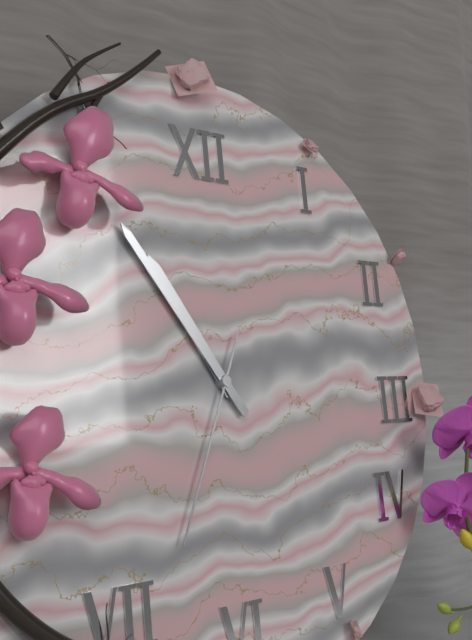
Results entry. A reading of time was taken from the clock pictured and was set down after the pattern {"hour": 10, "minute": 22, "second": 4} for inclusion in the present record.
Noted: {"hour": 10, "minute": 54, "second": 34}
